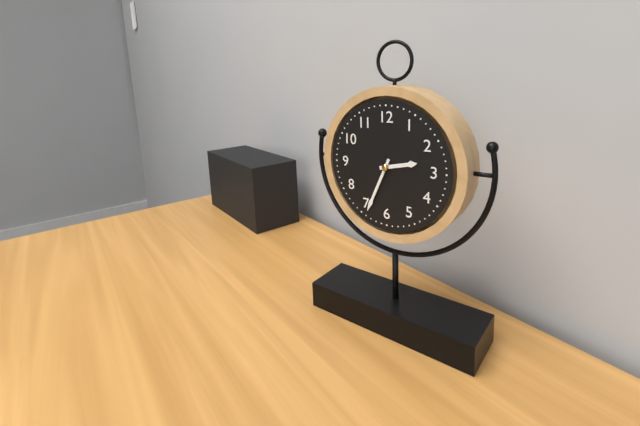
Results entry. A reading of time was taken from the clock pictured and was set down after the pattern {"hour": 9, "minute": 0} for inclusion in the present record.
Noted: {"hour": 2, "minute": 34}
